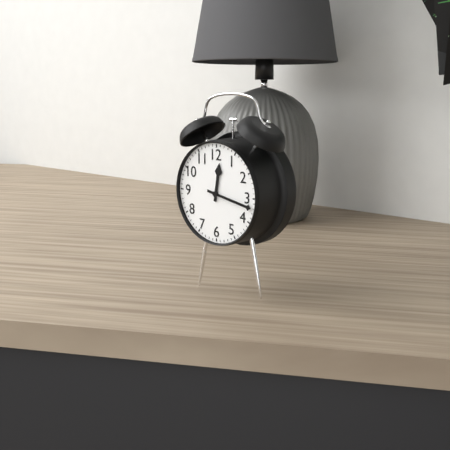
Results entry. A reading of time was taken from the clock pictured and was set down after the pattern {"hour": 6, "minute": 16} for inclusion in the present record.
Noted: {"hour": 12, "minute": 17}
